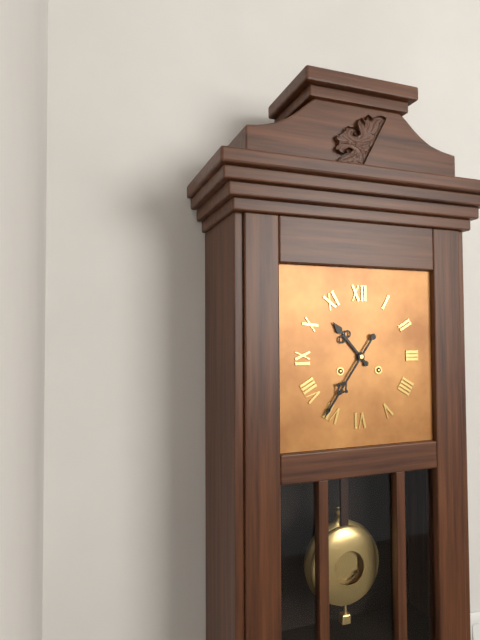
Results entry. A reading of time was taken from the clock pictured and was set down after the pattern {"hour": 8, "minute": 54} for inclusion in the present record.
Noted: {"hour": 10, "minute": 36}
